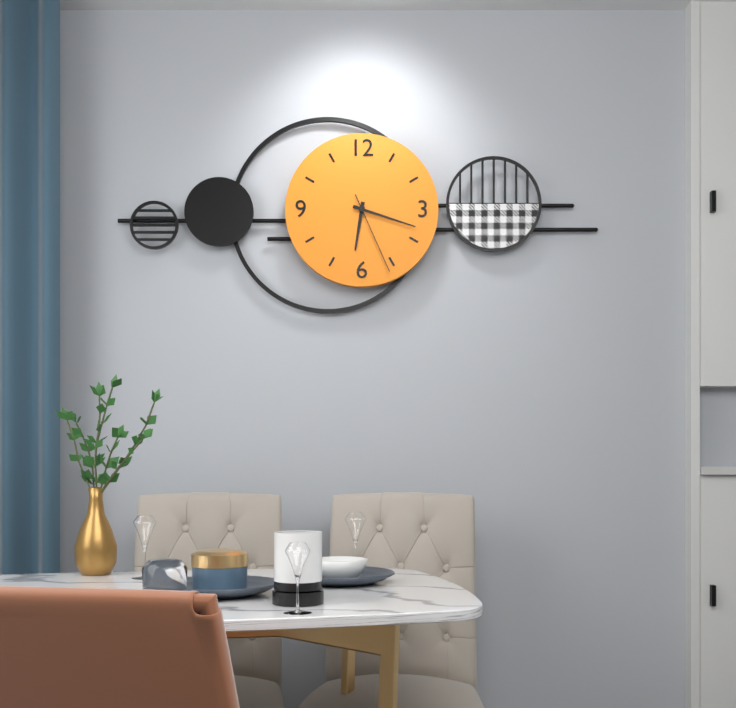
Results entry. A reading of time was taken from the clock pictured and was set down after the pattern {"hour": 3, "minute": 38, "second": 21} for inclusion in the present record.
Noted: {"hour": 6, "minute": 18, "second": 26}
